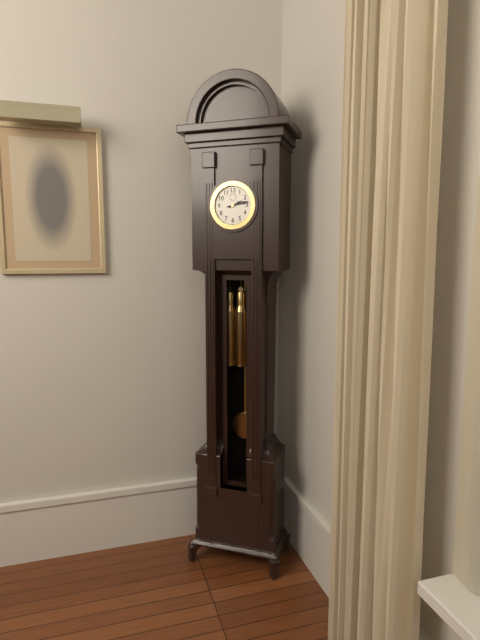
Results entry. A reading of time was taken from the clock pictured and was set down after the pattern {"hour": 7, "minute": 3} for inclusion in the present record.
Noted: {"hour": 2, "minute": 13}
